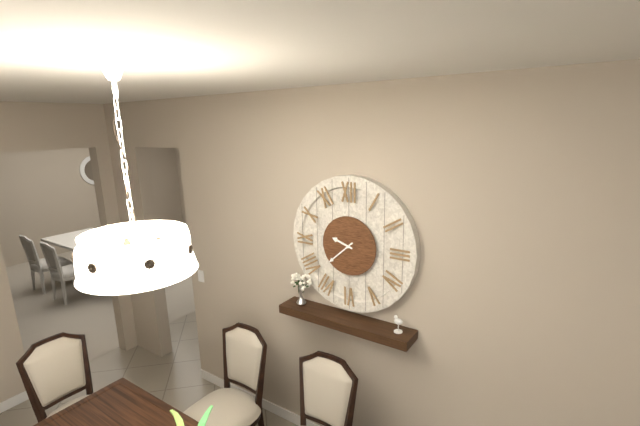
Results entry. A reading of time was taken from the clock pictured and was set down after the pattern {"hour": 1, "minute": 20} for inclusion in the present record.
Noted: {"hour": 9, "minute": 38}
